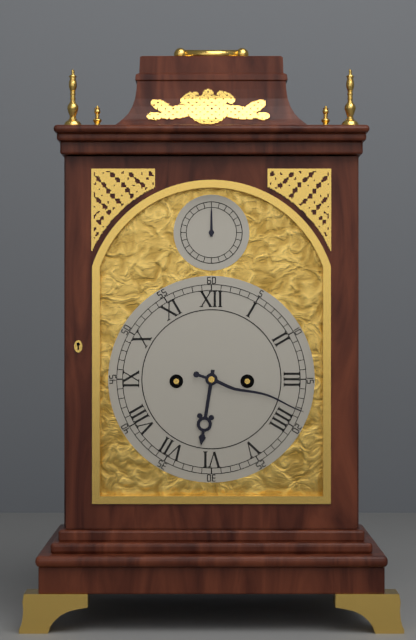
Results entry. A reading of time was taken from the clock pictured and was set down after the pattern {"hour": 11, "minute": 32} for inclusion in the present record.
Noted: {"hour": 6, "minute": 18}
